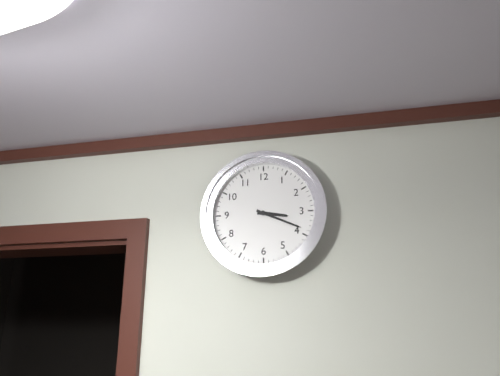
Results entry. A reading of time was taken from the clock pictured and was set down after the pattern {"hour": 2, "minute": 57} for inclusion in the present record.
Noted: {"hour": 3, "minute": 19}
